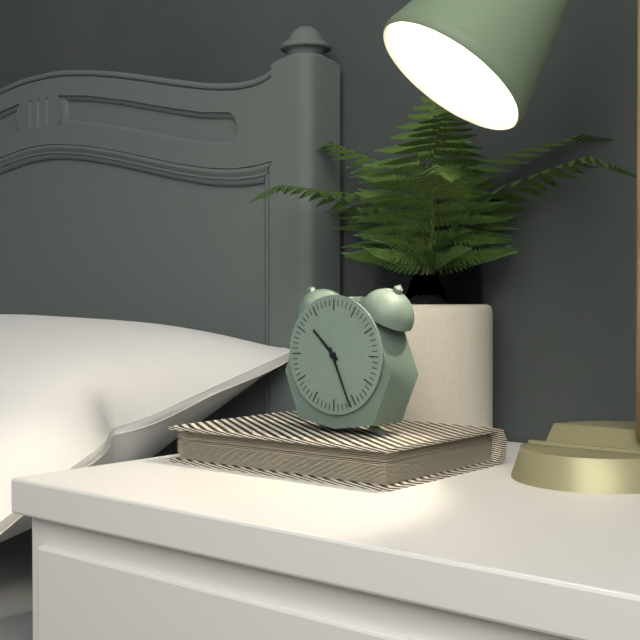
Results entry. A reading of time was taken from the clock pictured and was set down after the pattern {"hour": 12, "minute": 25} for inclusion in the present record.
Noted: {"hour": 10, "minute": 26}
